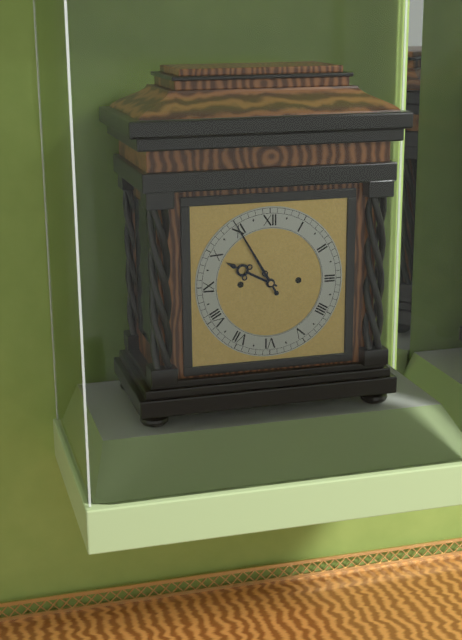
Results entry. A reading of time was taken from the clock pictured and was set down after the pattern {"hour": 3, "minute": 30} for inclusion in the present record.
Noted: {"hour": 9, "minute": 55}
